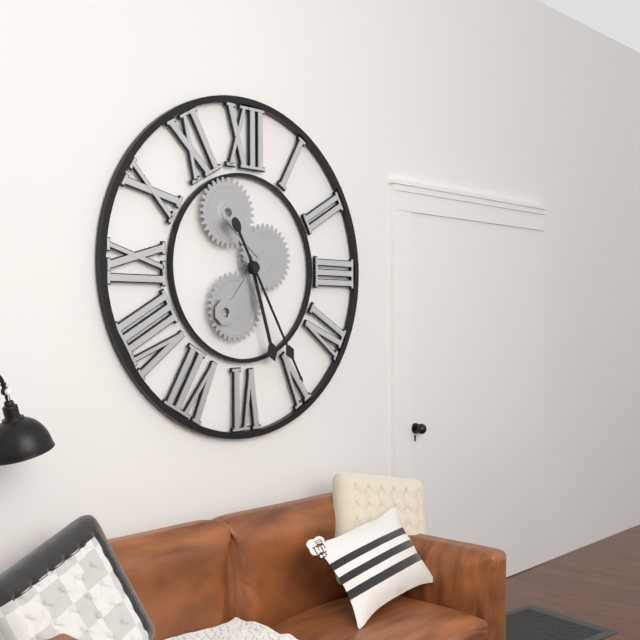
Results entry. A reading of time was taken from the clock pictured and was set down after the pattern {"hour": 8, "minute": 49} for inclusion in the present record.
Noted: {"hour": 5, "minute": 25}
